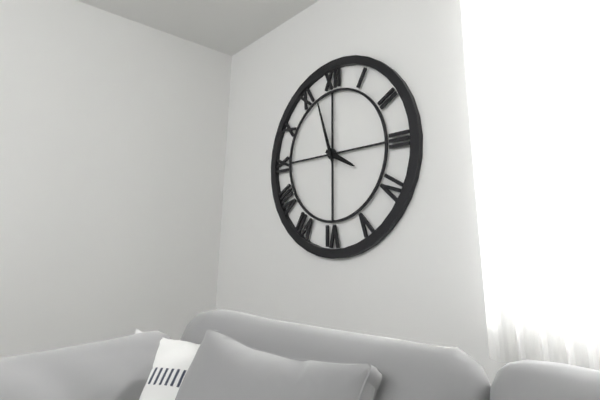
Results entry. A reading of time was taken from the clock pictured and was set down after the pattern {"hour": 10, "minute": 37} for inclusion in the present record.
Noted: {"hour": 3, "minute": 57}
